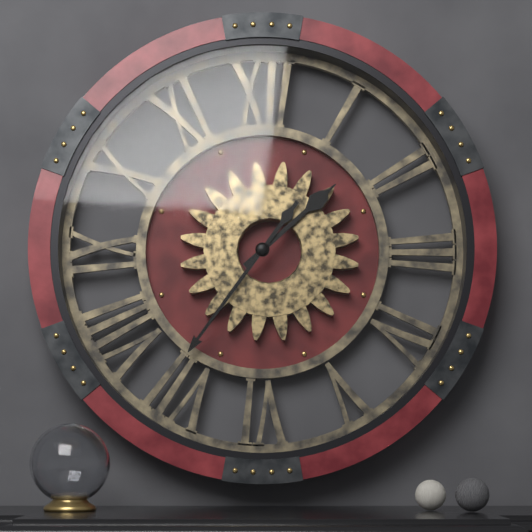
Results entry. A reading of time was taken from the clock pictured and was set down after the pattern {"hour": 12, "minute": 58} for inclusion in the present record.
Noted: {"hour": 1, "minute": 36}
